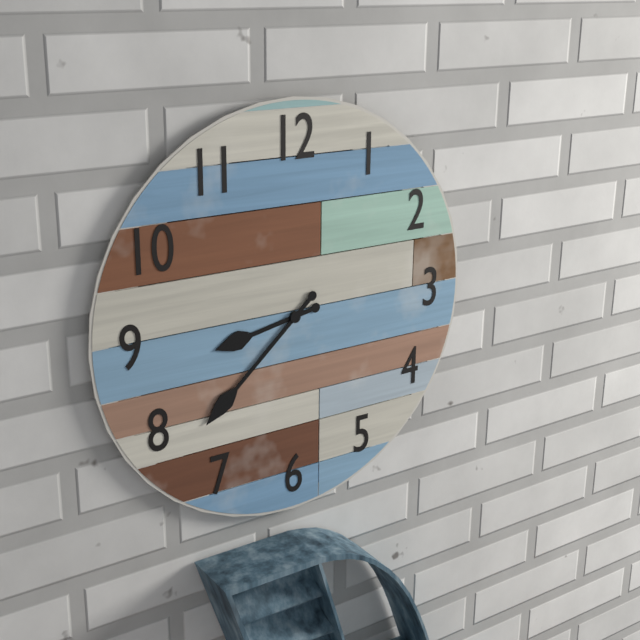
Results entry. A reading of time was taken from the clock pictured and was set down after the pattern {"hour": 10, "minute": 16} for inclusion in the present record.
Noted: {"hour": 8, "minute": 38}
